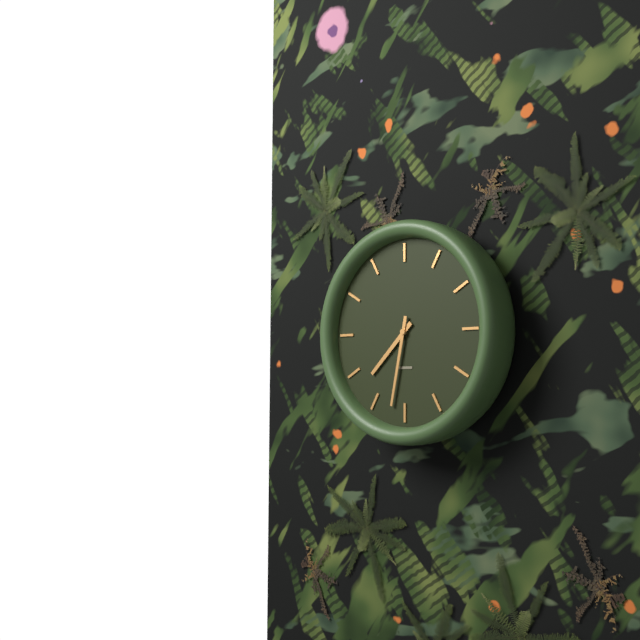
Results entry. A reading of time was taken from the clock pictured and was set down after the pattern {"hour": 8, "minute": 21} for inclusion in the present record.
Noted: {"hour": 7, "minute": 32}
